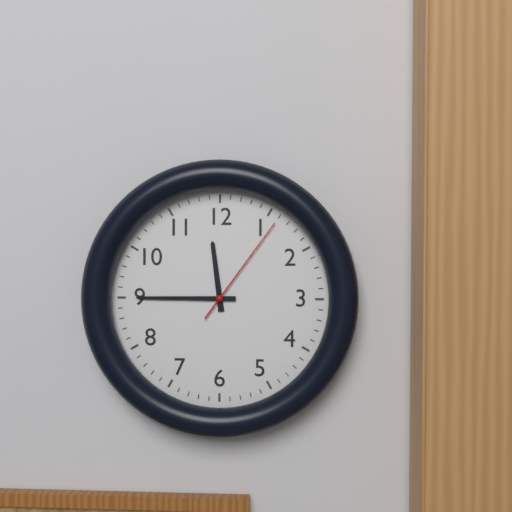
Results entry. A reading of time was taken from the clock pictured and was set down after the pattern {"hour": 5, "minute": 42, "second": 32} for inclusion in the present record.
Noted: {"hour": 11, "minute": 45, "second": 6}
